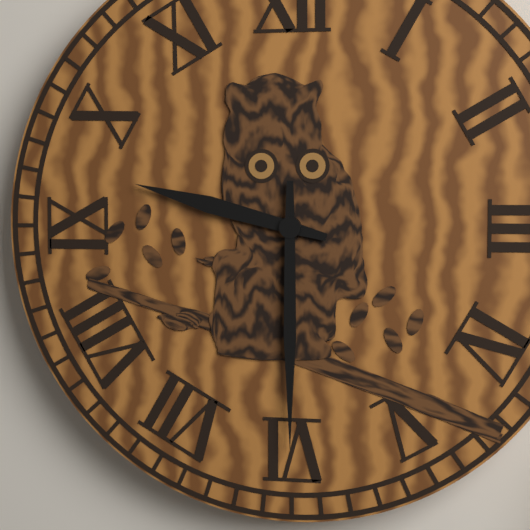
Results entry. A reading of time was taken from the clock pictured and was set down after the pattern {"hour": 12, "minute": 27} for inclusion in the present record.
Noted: {"hour": 9, "minute": 30}
